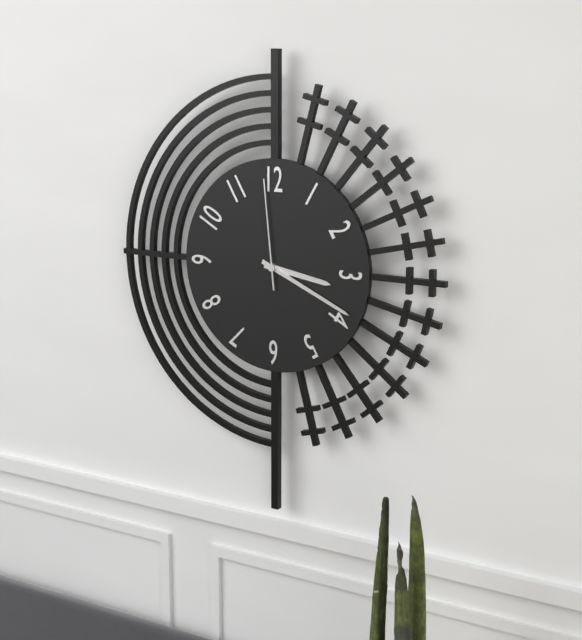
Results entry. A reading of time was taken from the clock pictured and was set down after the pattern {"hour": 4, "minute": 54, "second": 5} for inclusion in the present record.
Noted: {"hour": 3, "minute": 19, "second": 59}
